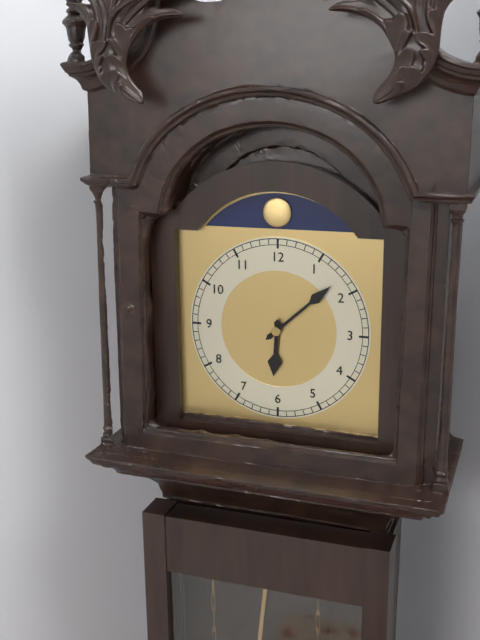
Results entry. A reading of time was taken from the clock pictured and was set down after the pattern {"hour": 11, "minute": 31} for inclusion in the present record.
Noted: {"hour": 6, "minute": 8}
